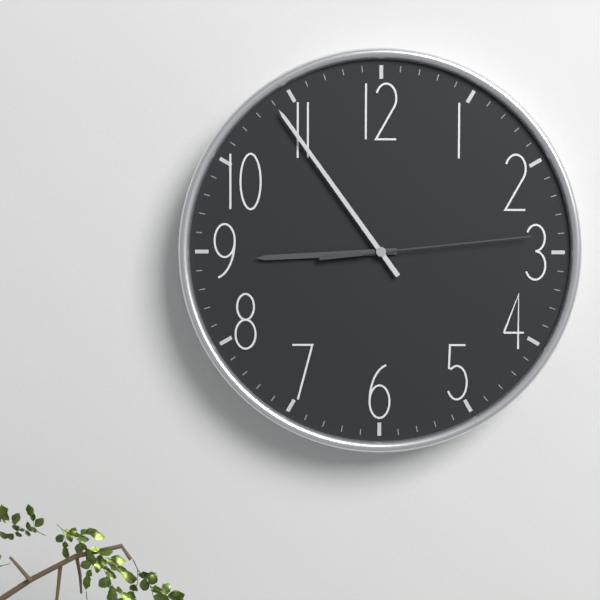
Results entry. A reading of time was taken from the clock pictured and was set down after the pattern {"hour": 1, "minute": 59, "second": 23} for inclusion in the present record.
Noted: {"hour": 8, "minute": 54, "second": 14}
